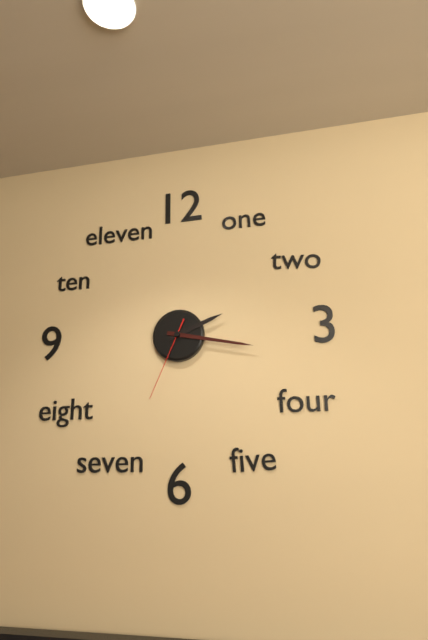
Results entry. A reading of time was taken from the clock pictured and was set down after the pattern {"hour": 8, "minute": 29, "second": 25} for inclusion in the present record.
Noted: {"hour": 2, "minute": 17, "second": 34}
